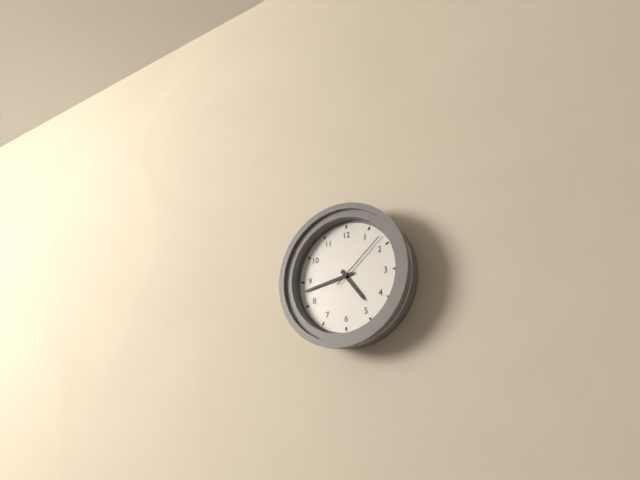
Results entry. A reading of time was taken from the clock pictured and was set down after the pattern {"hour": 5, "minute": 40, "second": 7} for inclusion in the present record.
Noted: {"hour": 4, "minute": 43, "second": 8}
